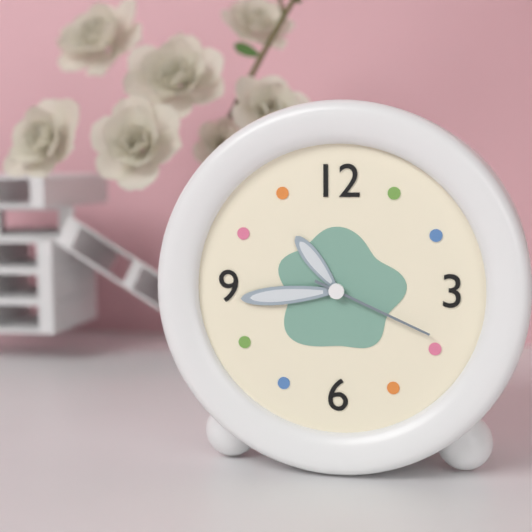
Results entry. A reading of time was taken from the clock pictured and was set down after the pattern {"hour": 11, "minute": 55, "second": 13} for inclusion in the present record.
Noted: {"hour": 10, "minute": 44, "second": 19}
